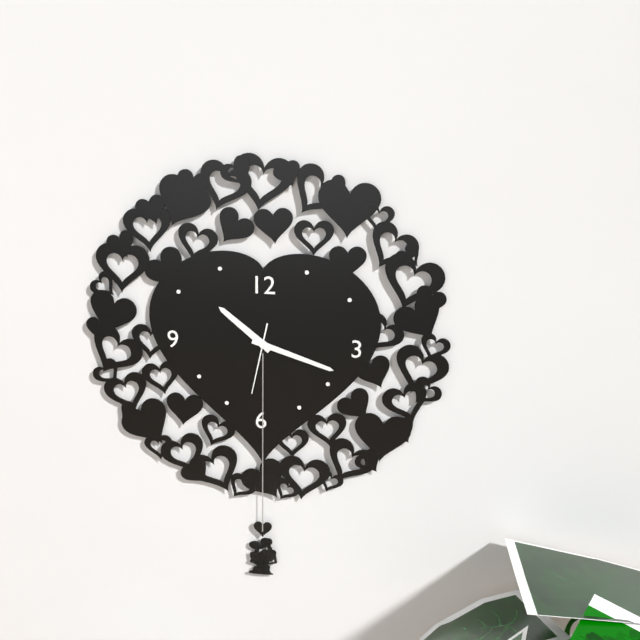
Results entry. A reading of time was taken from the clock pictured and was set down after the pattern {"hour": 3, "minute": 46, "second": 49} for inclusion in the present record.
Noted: {"hour": 10, "minute": 18, "second": 32}
